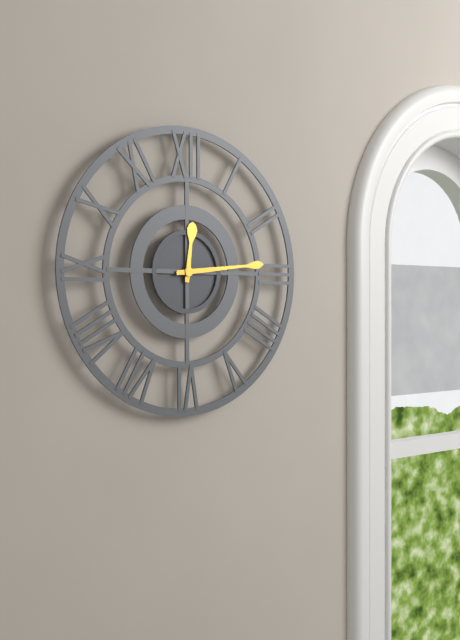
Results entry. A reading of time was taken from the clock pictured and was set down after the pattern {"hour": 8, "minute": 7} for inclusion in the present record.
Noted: {"hour": 12, "minute": 14}
